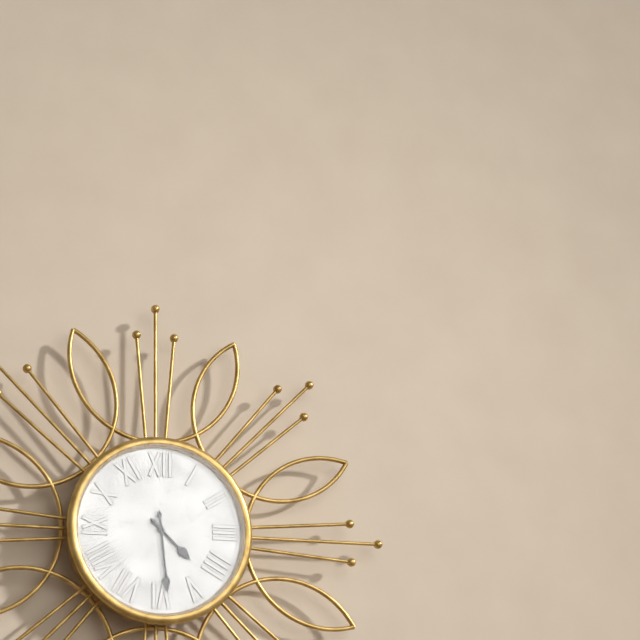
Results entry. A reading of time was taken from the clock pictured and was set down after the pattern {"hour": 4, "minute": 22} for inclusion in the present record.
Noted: {"hour": 4, "minute": 29}
